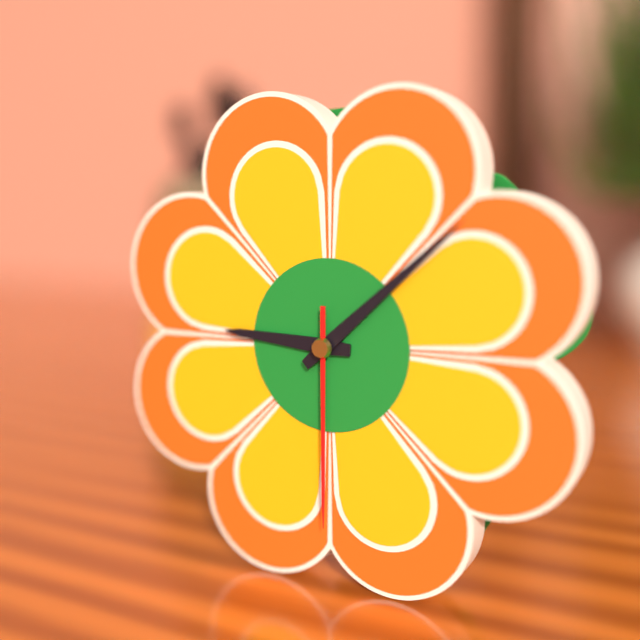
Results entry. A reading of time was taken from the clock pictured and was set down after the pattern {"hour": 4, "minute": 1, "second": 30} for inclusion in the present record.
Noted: {"hour": 9, "minute": 8, "second": 30}
